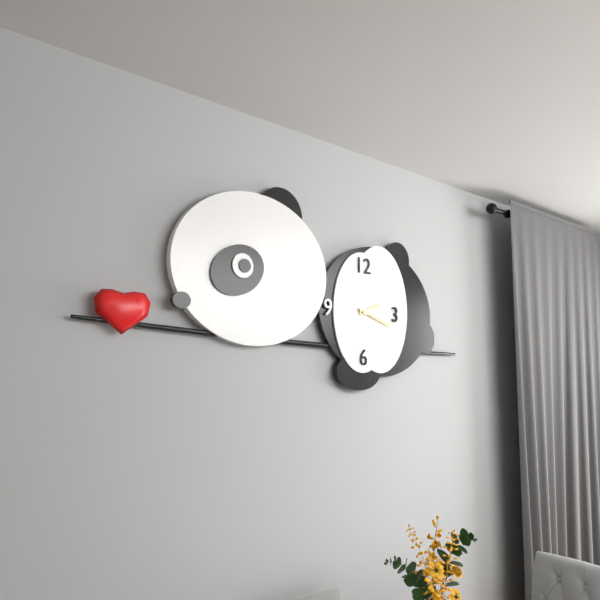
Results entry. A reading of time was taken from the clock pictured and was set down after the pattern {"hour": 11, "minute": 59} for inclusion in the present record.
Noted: {"hour": 2, "minute": 18}
